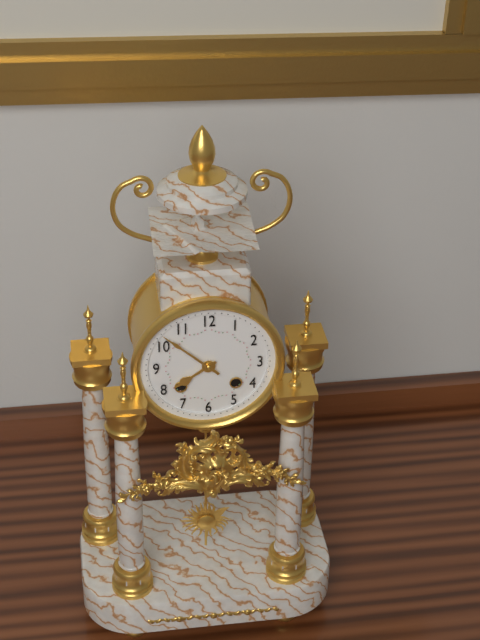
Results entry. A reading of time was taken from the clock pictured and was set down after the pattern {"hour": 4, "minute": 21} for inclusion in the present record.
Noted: {"hour": 7, "minute": 52}
